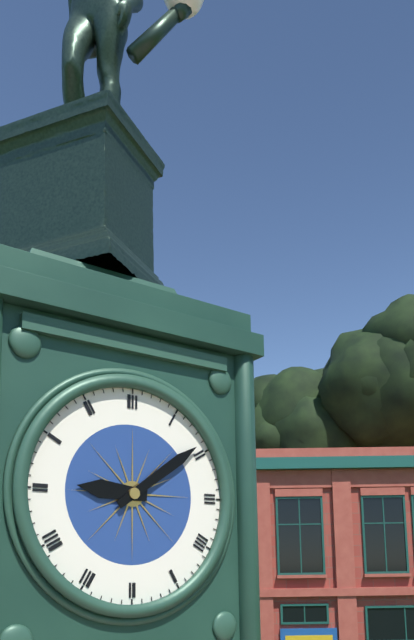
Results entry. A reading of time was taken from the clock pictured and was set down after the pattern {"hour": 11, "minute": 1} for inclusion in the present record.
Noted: {"hour": 9, "minute": 9}
